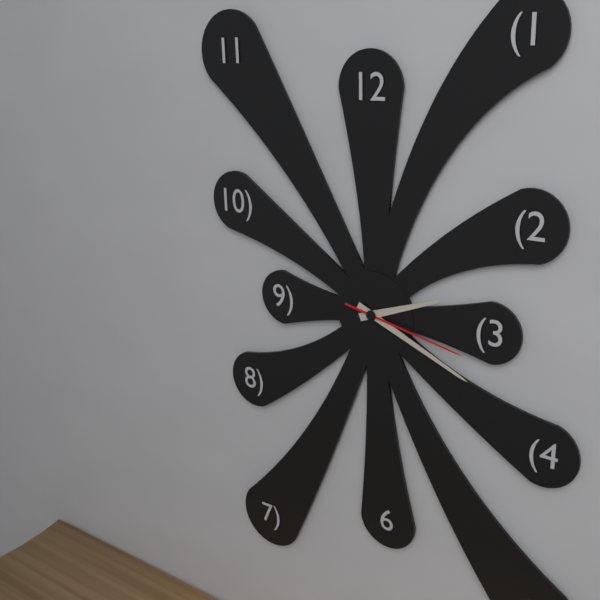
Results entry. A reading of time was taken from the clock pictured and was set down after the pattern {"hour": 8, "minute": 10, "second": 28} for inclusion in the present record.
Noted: {"hour": 2, "minute": 19, "second": 17}
